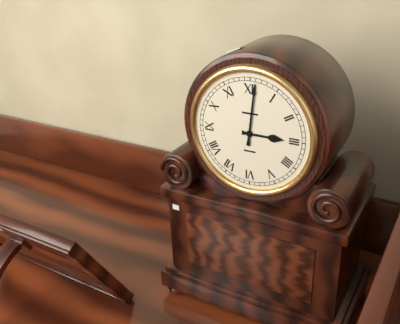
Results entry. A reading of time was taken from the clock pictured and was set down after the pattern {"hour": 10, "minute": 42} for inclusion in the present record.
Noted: {"hour": 3, "minute": 1}
